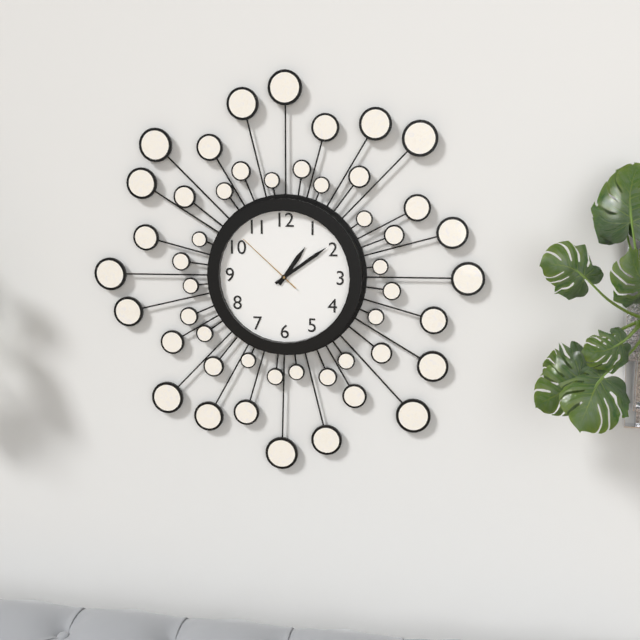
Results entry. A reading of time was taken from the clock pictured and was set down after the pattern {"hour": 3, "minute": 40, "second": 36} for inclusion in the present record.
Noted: {"hour": 1, "minute": 9, "second": 52}
